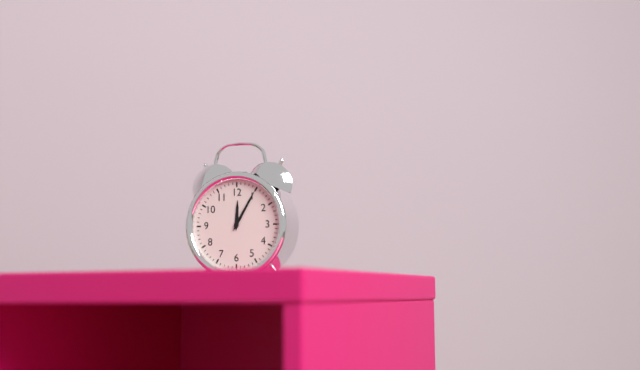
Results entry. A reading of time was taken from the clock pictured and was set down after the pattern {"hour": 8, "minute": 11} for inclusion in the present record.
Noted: {"hour": 12, "minute": 5}
